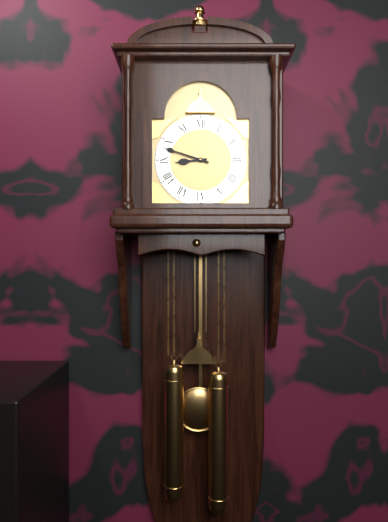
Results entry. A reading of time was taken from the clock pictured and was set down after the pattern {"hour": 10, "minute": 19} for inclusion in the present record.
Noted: {"hour": 8, "minute": 48}
